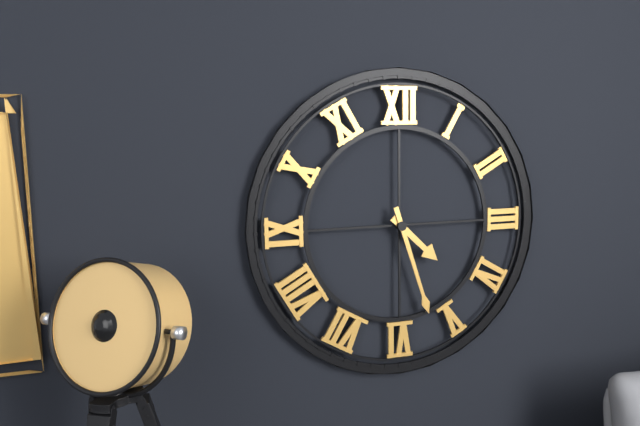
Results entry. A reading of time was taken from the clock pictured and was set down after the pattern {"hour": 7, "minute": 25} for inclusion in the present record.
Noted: {"hour": 4, "minute": 27}
